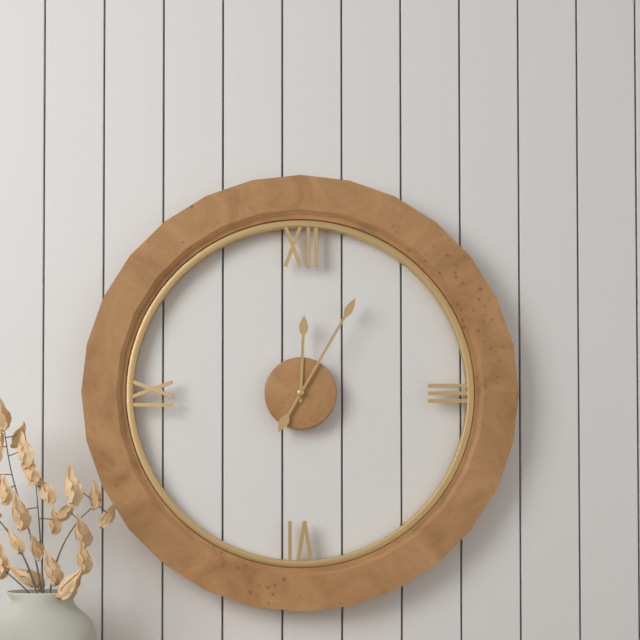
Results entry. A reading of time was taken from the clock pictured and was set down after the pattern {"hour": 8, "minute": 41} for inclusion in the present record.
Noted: {"hour": 12, "minute": 5}
